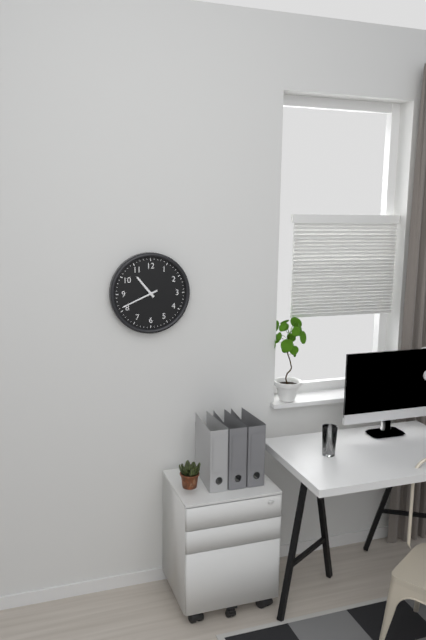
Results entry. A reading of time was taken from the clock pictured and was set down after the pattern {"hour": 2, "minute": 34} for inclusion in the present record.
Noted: {"hour": 10, "minute": 41}
